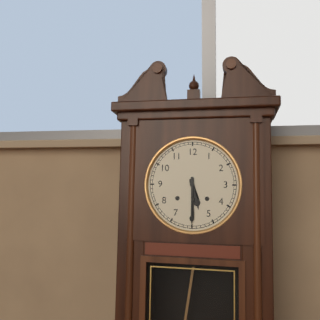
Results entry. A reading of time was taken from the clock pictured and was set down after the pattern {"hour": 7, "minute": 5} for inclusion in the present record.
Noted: {"hour": 5, "minute": 30}
